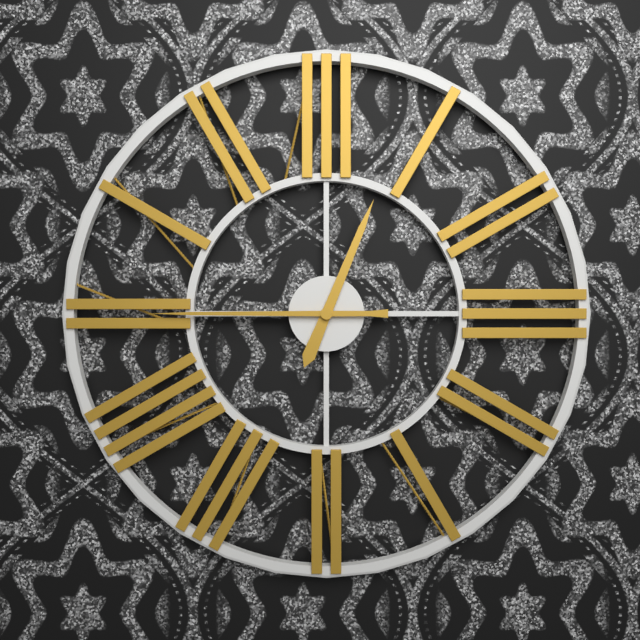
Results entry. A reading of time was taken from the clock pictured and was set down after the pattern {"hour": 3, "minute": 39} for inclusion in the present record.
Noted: {"hour": 12, "minute": 45}
